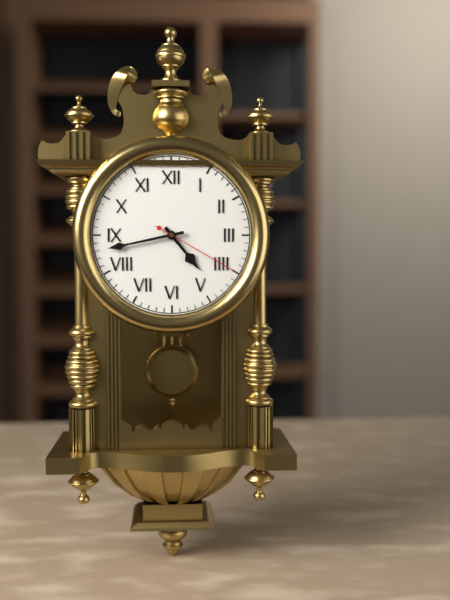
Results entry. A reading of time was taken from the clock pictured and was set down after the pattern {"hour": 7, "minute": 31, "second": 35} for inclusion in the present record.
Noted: {"hour": 4, "minute": 43, "second": 20}
